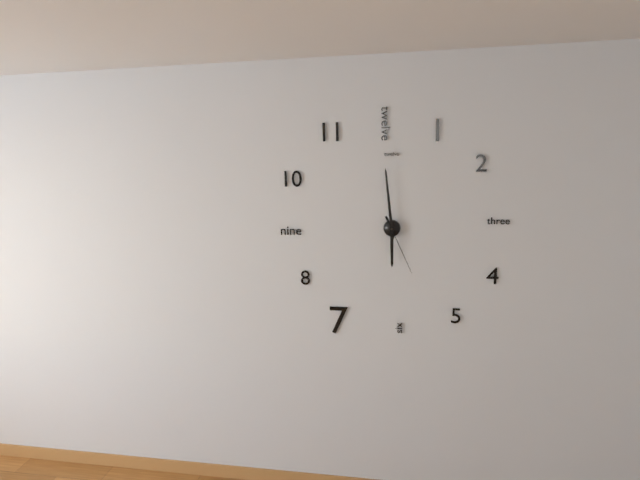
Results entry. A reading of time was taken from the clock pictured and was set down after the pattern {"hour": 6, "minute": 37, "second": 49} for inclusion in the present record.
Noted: {"hour": 5, "minute": 59, "second": 26}
